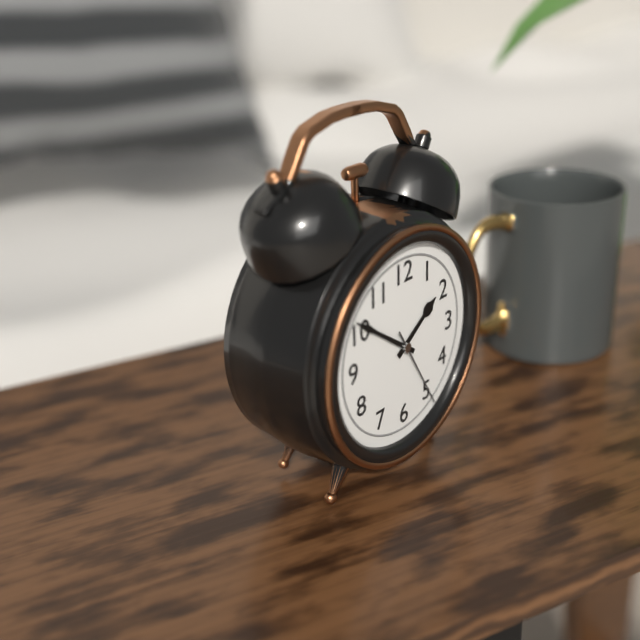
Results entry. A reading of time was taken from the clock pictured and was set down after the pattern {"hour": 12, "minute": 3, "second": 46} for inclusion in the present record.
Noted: {"hour": 1, "minute": 51, "second": 25}
